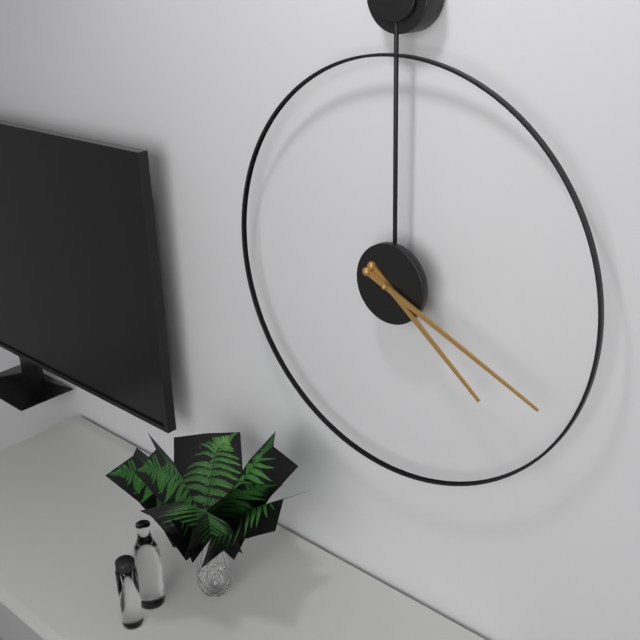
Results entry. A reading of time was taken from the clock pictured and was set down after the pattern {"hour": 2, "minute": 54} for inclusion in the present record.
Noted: {"hour": 4, "minute": 19}
